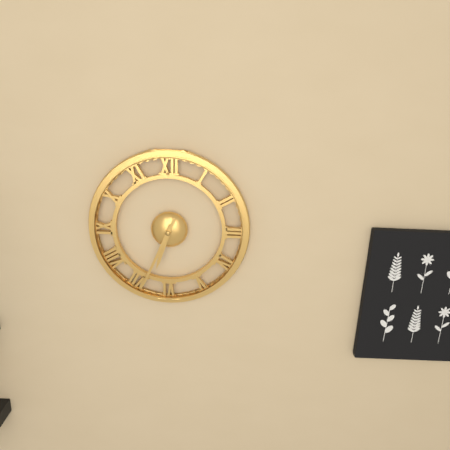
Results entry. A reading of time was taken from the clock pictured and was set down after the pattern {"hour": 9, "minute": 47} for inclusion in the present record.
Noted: {"hour": 6, "minute": 34}
